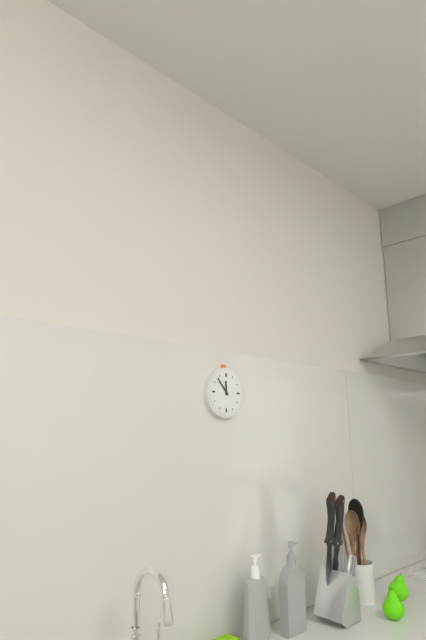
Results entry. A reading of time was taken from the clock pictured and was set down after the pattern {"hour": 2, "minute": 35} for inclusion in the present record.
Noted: {"hour": 11, "minute": 53}
